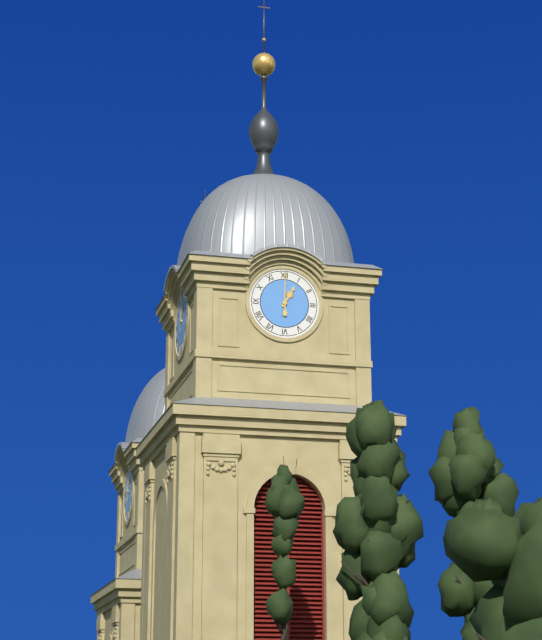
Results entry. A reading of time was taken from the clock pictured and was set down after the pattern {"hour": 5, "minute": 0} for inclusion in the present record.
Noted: {"hour": 1, "minute": 0}
